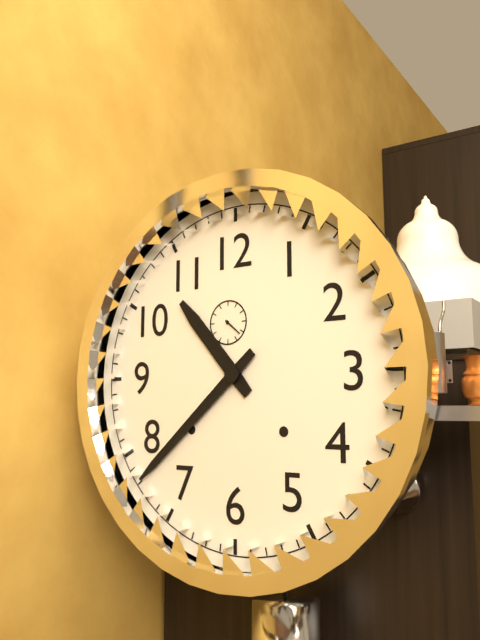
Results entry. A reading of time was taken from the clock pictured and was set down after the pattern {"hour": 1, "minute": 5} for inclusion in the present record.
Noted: {"hour": 10, "minute": 38}
